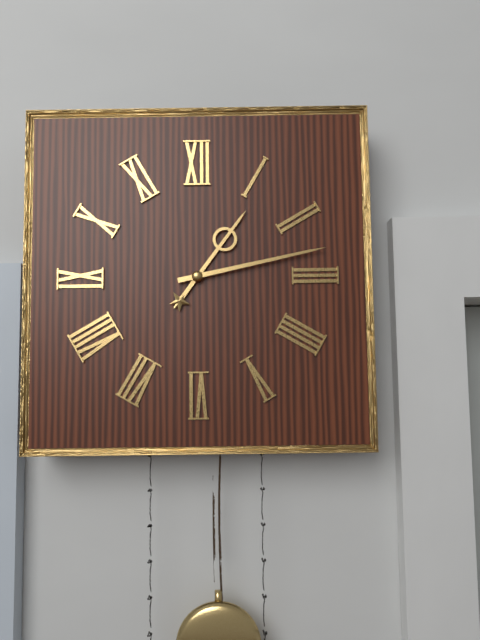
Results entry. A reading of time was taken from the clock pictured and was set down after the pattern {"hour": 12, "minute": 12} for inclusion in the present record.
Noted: {"hour": 1, "minute": 13}
